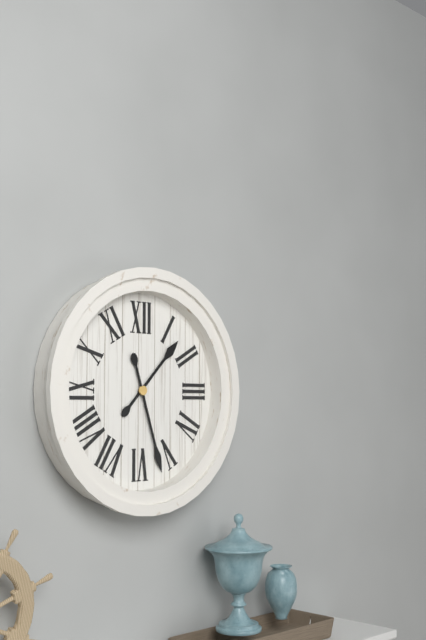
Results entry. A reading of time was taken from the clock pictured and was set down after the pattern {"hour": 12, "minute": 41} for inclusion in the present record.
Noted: {"hour": 1, "minute": 27}
